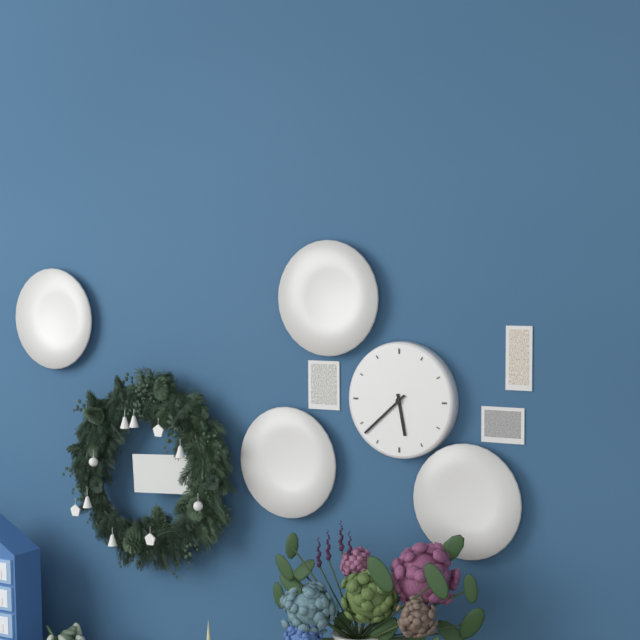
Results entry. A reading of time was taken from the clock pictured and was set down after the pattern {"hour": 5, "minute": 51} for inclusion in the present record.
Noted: {"hour": 5, "minute": 38}
